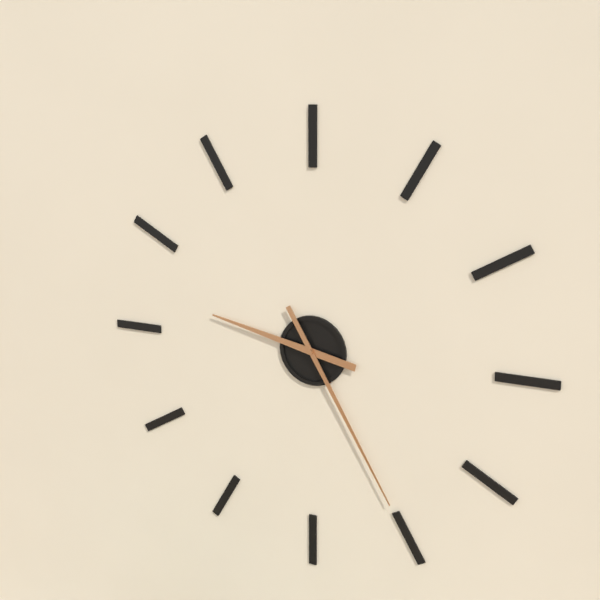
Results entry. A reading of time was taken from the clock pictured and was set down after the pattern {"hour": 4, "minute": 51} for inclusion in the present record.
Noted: {"hour": 9, "minute": 25}
